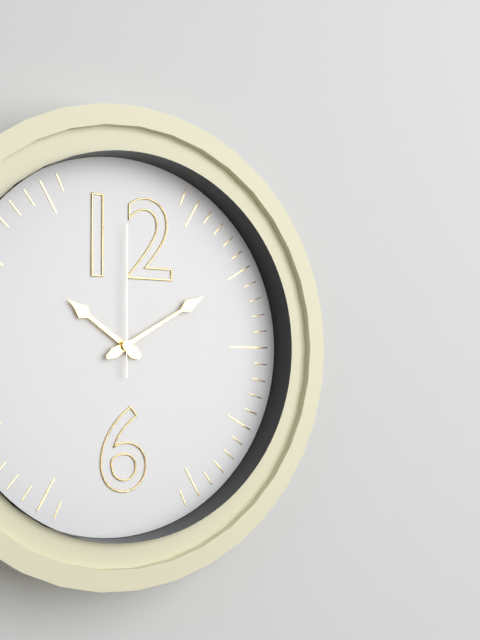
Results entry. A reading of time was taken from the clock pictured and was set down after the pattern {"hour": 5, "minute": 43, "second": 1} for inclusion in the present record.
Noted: {"hour": 10, "minute": 10, "second": 0}
